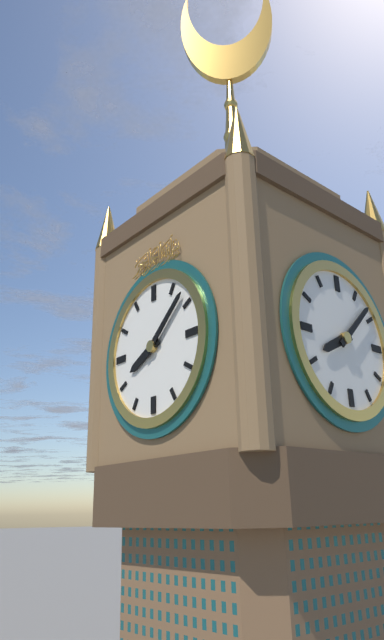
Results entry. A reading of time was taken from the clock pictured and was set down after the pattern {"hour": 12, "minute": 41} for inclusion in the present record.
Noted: {"hour": 8, "minute": 8}
